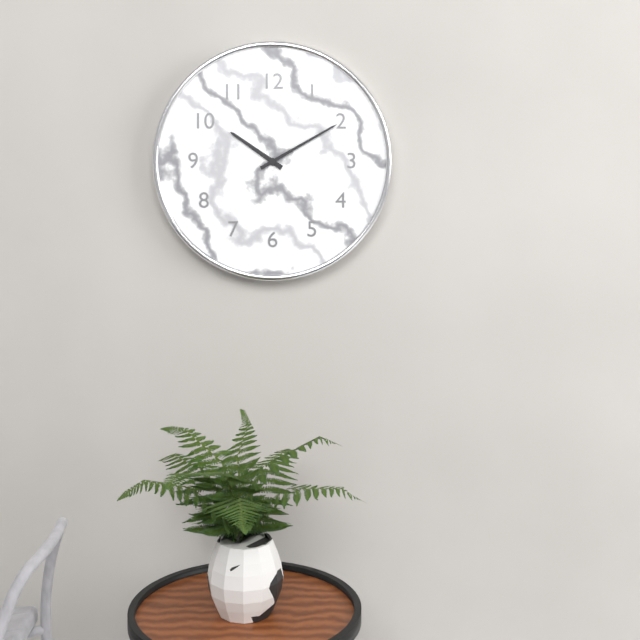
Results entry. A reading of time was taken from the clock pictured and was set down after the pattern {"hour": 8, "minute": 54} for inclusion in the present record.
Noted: {"hour": 10, "minute": 10}
